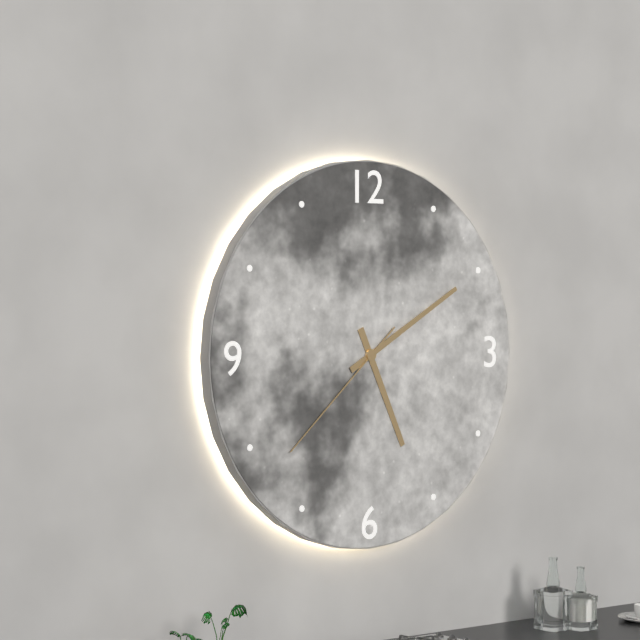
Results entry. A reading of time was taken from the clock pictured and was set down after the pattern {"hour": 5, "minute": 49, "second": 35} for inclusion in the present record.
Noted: {"hour": 5, "minute": 10, "second": 38}
